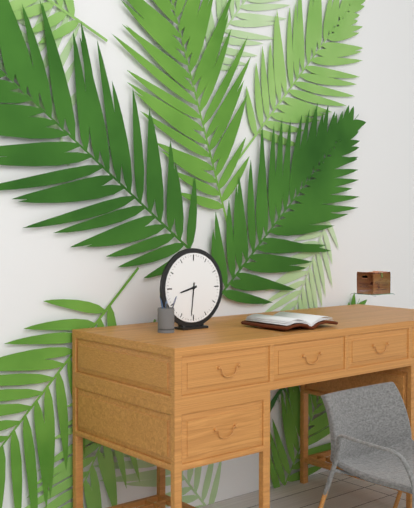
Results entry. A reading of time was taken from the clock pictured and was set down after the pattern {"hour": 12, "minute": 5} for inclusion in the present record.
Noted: {"hour": 8, "minute": 31}
